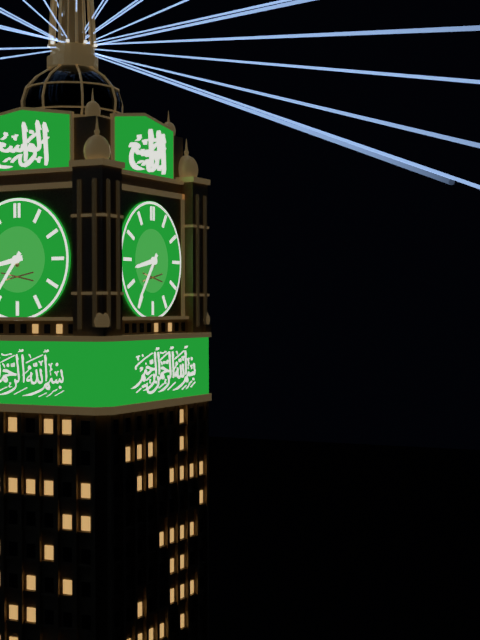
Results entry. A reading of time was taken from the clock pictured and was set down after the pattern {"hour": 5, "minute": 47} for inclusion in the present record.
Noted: {"hour": 8, "minute": 36}
